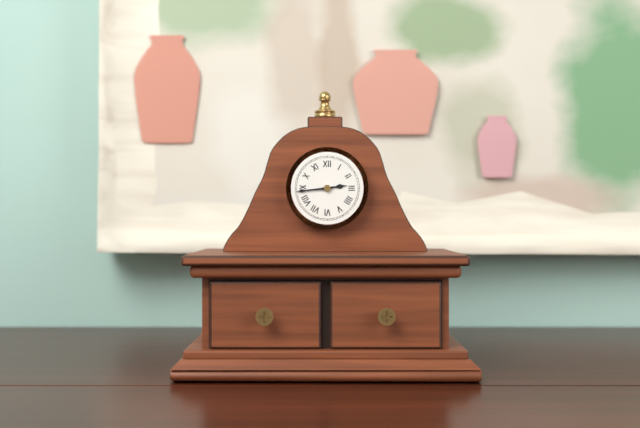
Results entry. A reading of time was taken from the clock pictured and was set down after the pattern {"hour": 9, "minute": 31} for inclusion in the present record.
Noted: {"hour": 2, "minute": 44}
